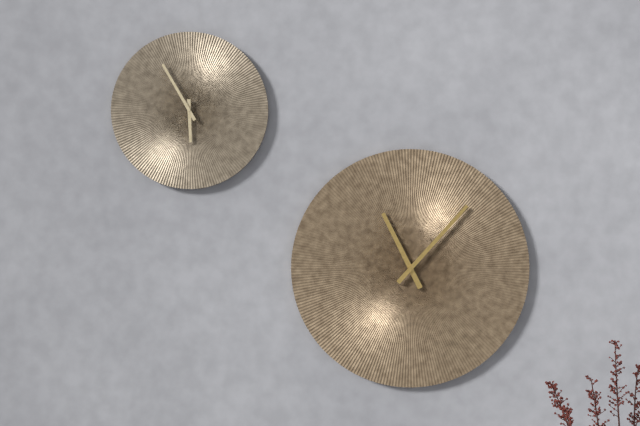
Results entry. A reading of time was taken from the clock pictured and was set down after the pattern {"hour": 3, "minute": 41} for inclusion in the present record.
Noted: {"hour": 11, "minute": 7}
